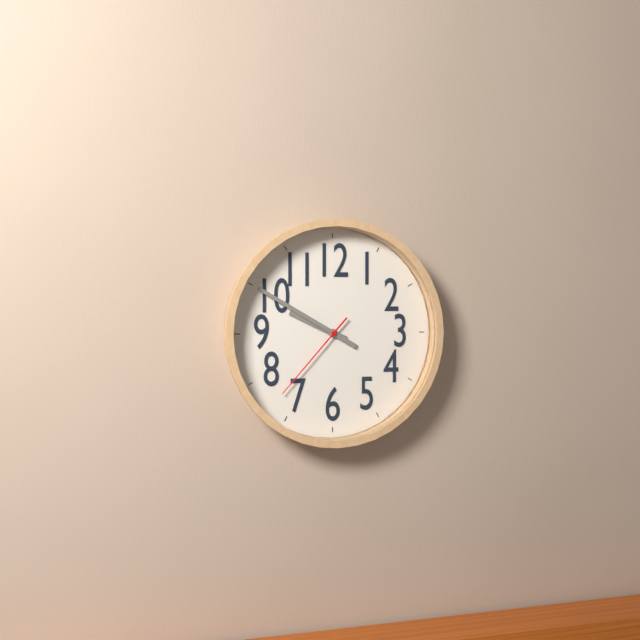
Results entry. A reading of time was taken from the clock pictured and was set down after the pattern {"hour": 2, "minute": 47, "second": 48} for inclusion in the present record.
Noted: {"hour": 9, "minute": 50, "second": 37}
